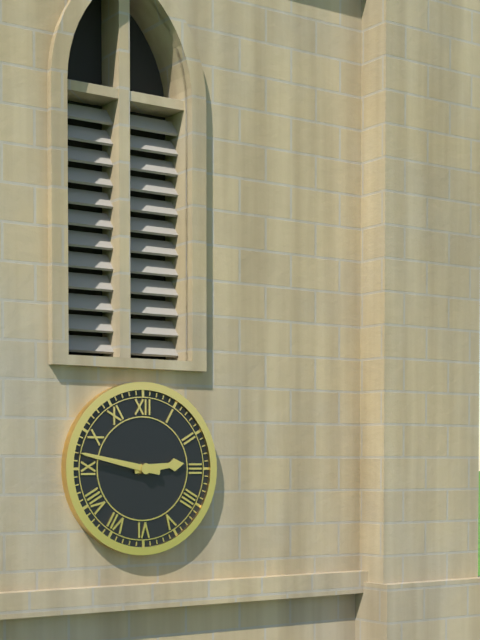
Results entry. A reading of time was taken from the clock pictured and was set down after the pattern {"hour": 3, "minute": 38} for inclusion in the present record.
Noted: {"hour": 2, "minute": 47}
